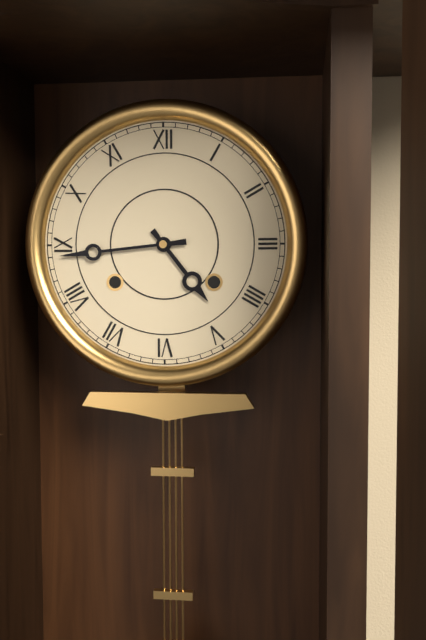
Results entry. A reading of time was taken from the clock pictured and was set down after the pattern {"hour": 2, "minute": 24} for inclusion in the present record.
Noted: {"hour": 4, "minute": 44}
